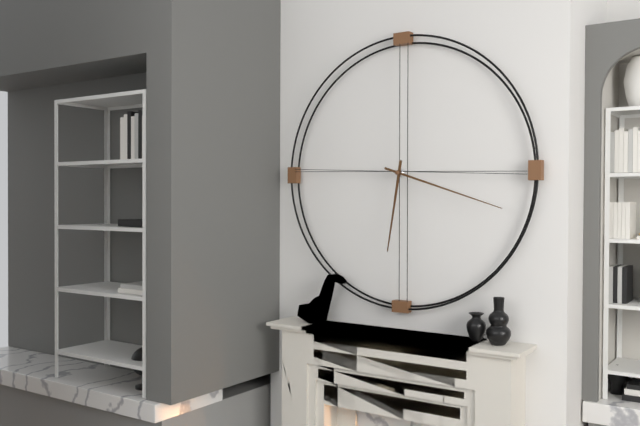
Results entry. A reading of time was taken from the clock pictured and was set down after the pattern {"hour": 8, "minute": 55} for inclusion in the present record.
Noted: {"hour": 6, "minute": 18}
